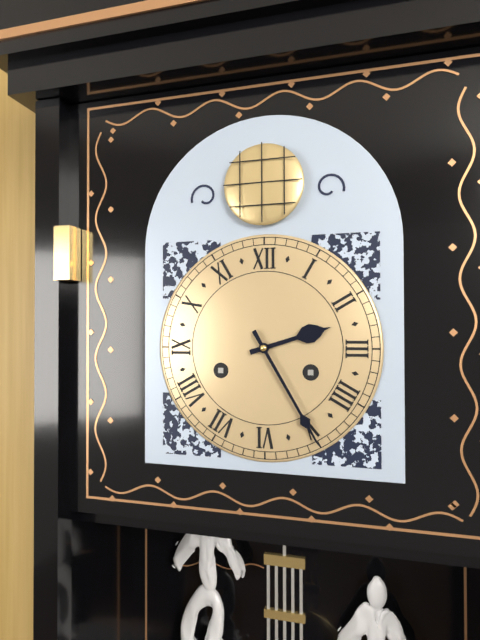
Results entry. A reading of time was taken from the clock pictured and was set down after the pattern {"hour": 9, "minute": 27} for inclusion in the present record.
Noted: {"hour": 2, "minute": 25}
